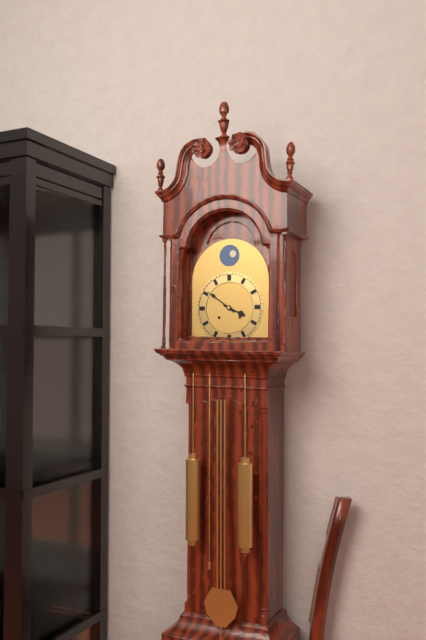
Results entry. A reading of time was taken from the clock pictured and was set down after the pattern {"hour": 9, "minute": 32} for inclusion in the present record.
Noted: {"hour": 3, "minute": 51}
